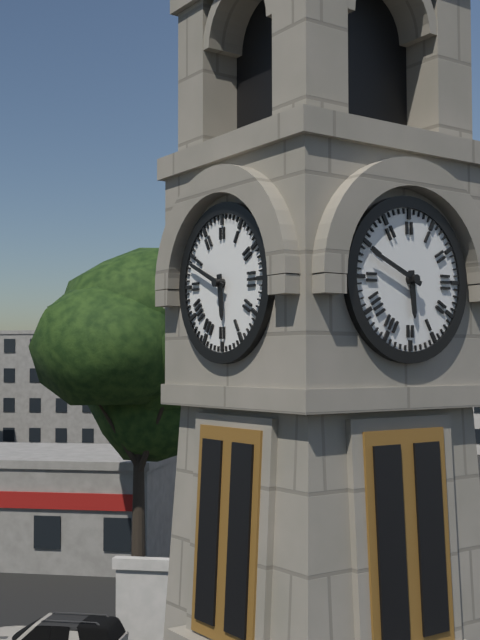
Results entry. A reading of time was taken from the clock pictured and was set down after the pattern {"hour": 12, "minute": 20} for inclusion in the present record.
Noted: {"hour": 5, "minute": 49}
